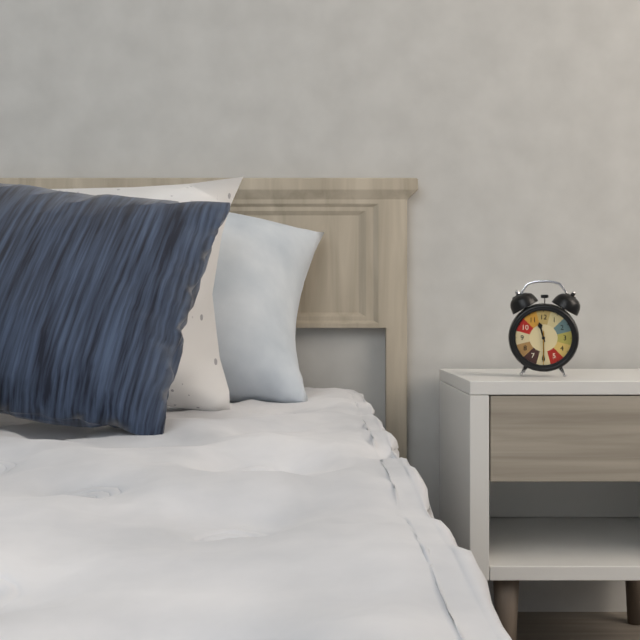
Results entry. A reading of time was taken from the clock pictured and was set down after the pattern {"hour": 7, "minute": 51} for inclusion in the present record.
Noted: {"hour": 11, "minute": 30}
